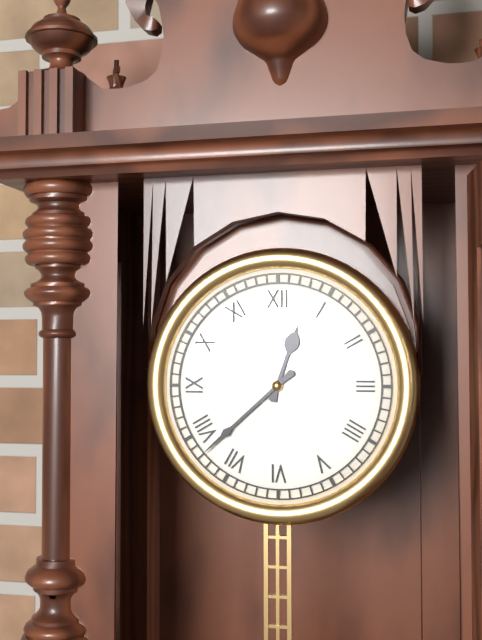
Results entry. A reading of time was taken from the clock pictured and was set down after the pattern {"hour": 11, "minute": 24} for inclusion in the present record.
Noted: {"hour": 12, "minute": 38}
